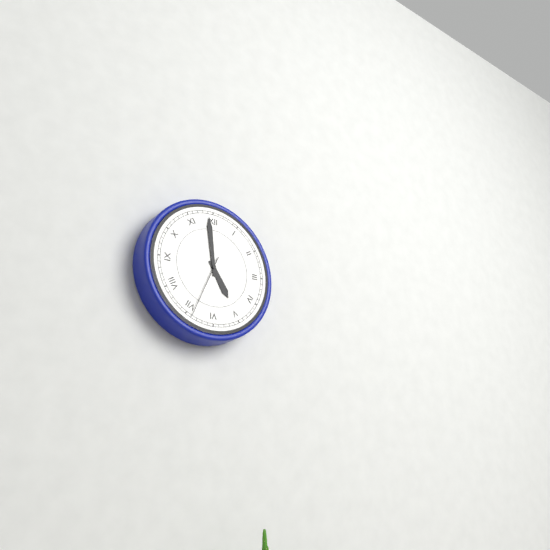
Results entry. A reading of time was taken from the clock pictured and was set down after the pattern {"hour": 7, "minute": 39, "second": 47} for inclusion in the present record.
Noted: {"hour": 4, "minute": 59, "second": 34}
